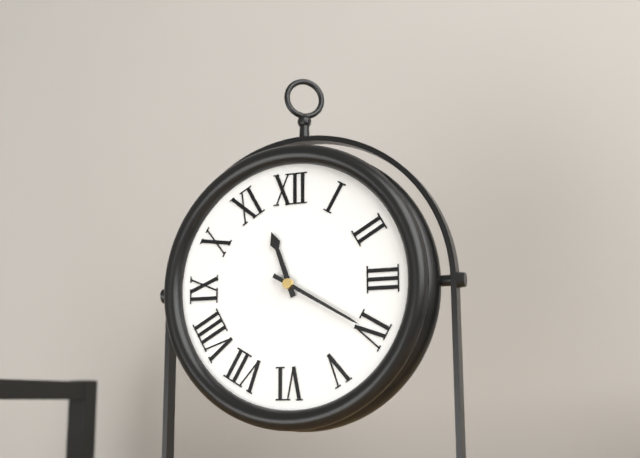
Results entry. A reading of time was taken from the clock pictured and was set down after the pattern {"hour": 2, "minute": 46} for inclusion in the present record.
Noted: {"hour": 11, "minute": 20}
